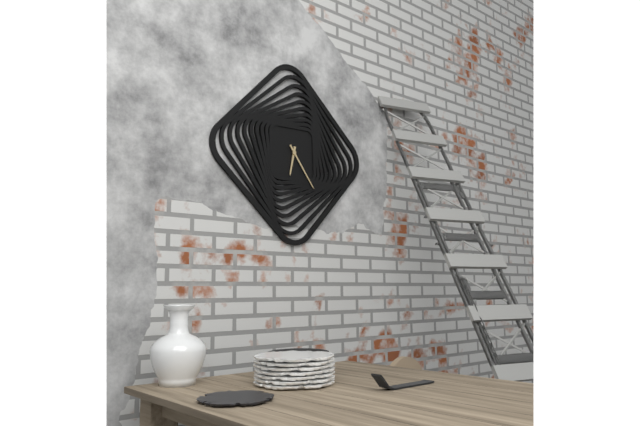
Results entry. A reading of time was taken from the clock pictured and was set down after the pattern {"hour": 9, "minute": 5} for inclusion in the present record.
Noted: {"hour": 6, "minute": 24}
